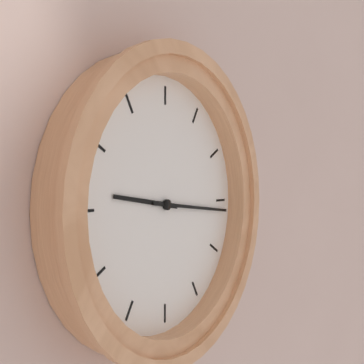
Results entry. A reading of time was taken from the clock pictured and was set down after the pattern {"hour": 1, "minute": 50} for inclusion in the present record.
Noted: {"hour": 9, "minute": 16}
